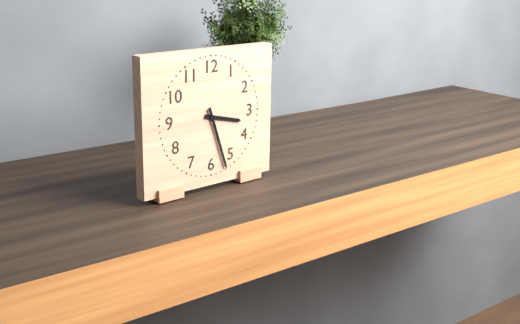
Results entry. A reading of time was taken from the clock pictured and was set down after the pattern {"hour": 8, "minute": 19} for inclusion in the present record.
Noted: {"hour": 3, "minute": 27}
